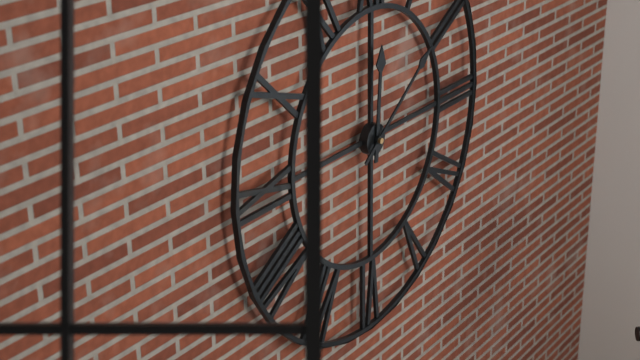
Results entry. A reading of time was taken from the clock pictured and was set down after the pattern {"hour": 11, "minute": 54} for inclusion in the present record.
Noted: {"hour": 12, "minute": 9}
